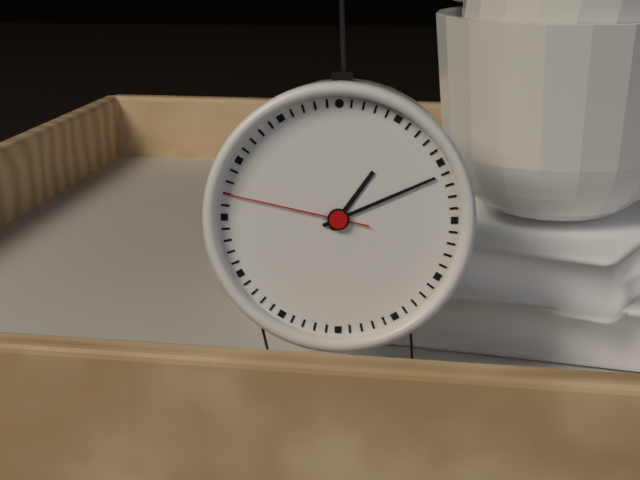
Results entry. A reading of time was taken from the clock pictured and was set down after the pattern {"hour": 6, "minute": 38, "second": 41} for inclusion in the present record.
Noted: {"hour": 1, "minute": 11, "second": 47}
